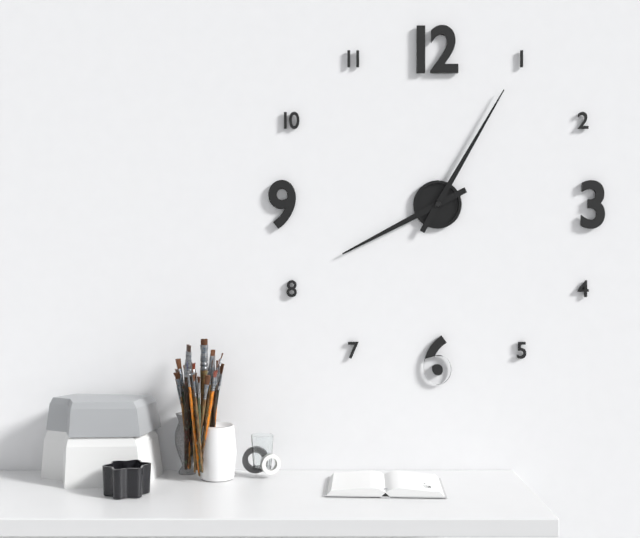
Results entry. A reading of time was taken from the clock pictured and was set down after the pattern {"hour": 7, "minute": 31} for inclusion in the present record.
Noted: {"hour": 8, "minute": 5}
